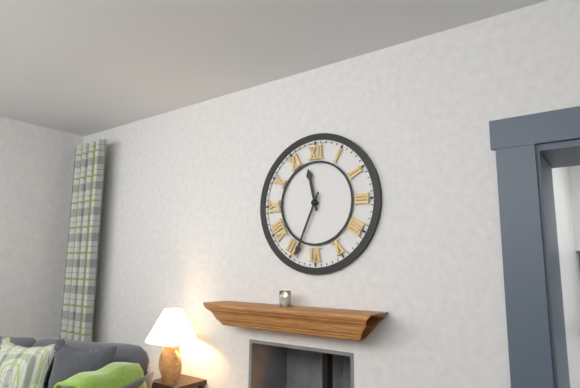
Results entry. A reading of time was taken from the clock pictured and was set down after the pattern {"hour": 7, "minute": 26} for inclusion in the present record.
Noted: {"hour": 11, "minute": 34}
